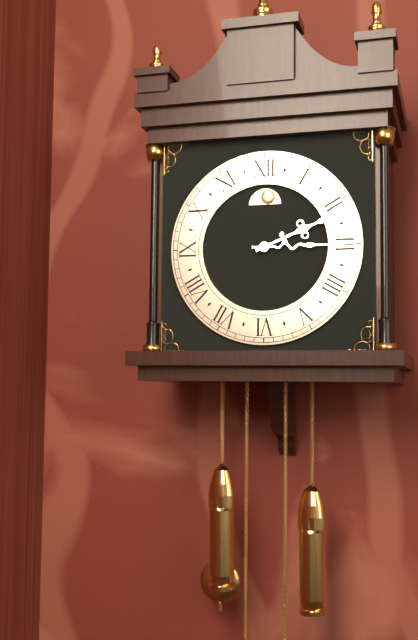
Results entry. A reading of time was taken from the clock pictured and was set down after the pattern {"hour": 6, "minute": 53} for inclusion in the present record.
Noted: {"hour": 2, "minute": 15}
